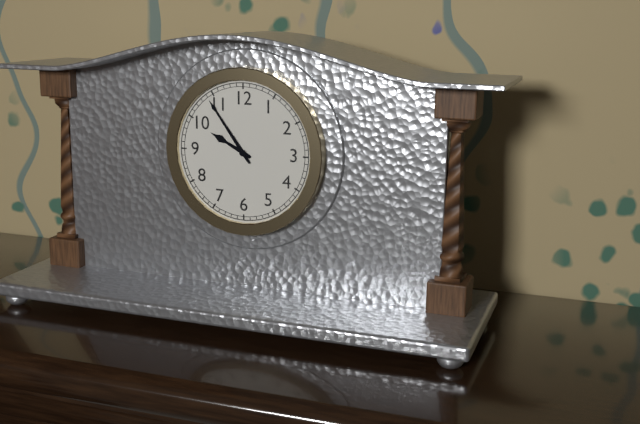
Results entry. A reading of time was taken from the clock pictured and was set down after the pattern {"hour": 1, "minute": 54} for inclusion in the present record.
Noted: {"hour": 9, "minute": 54}
